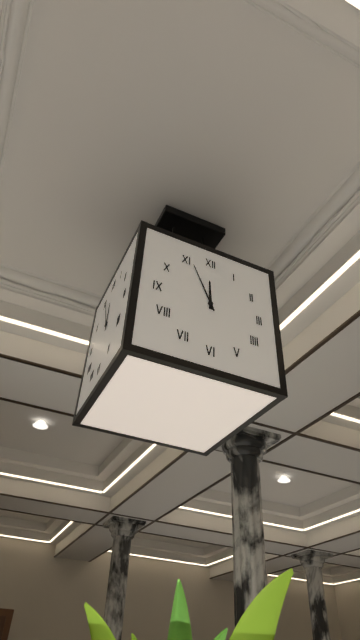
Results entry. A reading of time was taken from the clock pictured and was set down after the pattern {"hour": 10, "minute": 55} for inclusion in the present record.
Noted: {"hour": 11, "minute": 56}
